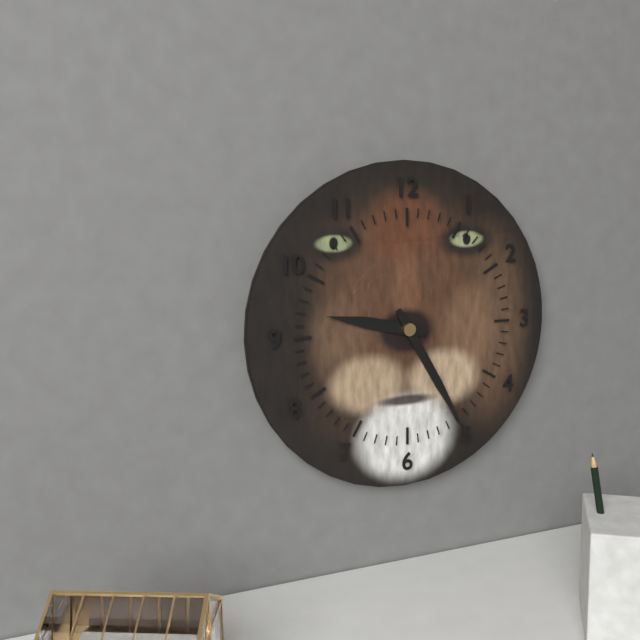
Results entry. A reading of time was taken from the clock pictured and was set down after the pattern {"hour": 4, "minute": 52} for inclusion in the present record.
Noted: {"hour": 9, "minute": 25}
